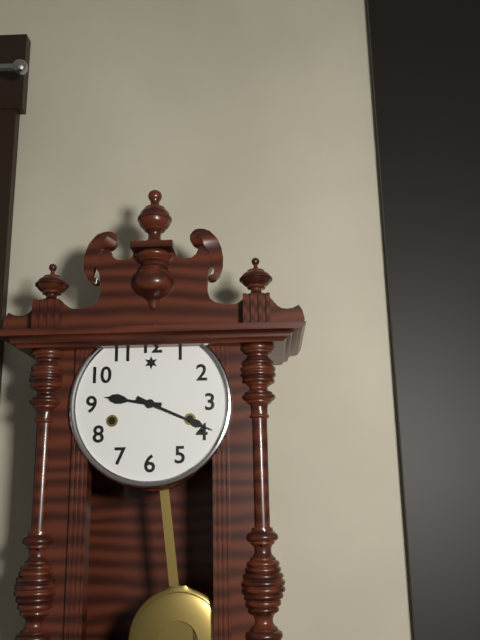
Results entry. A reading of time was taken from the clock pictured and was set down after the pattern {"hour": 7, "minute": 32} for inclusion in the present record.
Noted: {"hour": 9, "minute": 19}
